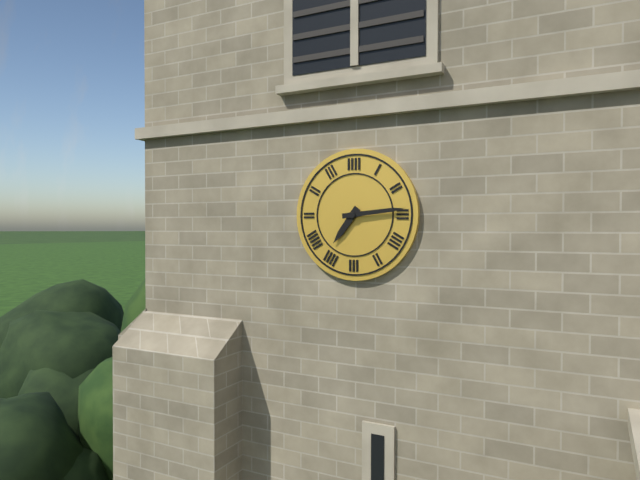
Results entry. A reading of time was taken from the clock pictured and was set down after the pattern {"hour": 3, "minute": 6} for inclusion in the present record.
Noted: {"hour": 7, "minute": 14}
